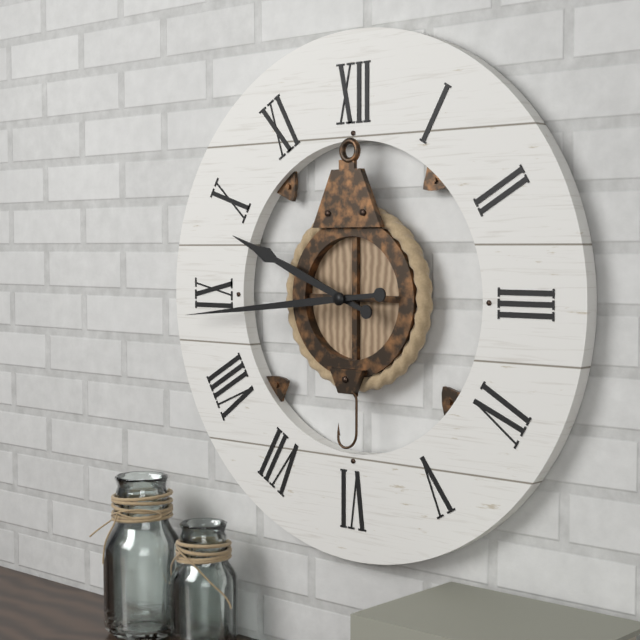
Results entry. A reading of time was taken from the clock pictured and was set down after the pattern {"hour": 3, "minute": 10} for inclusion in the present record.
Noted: {"hour": 9, "minute": 44}
